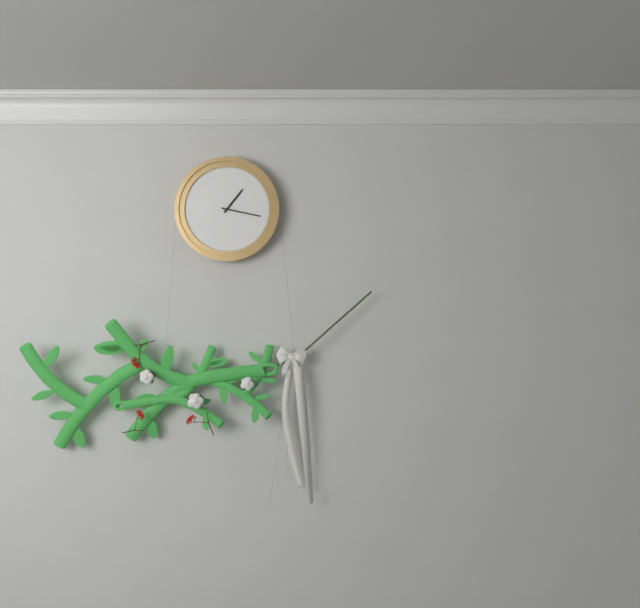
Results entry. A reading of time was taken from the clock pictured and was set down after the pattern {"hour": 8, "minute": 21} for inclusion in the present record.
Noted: {"hour": 1, "minute": 17}
